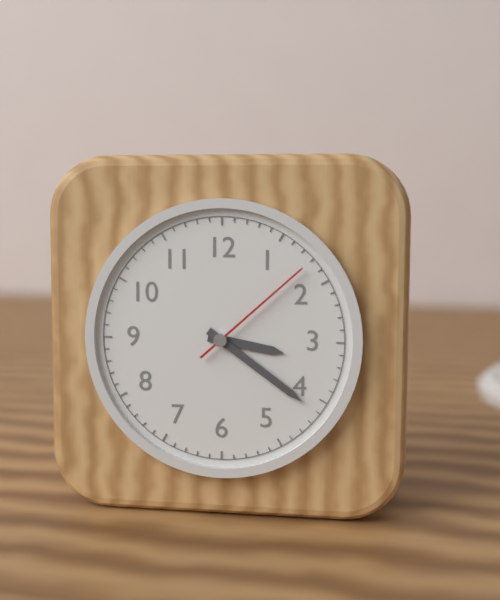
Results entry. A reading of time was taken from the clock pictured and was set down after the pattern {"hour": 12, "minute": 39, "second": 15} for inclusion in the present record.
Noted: {"hour": 3, "minute": 21, "second": 8}
